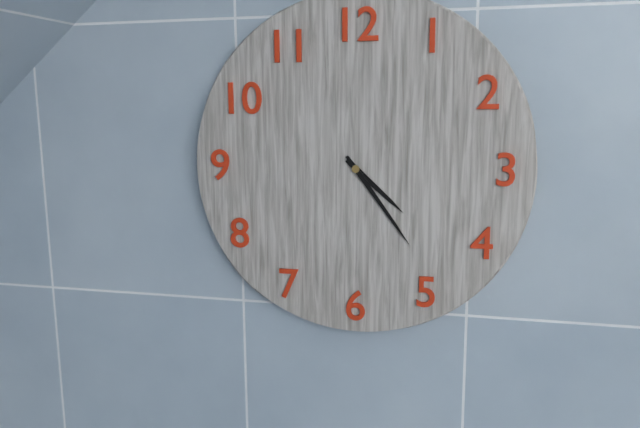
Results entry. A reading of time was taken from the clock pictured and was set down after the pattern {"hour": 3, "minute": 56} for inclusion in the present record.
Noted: {"hour": 4, "minute": 24}
